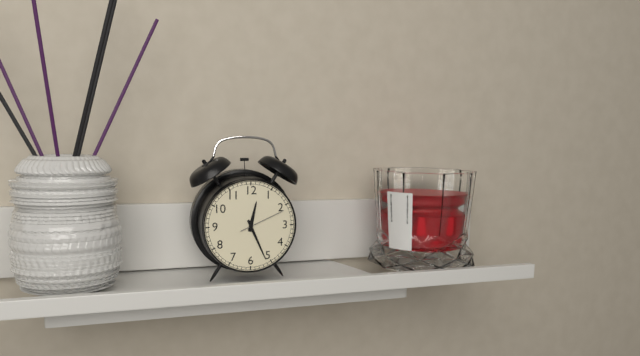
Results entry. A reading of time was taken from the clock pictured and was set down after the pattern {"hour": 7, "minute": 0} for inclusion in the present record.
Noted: {"hour": 12, "minute": 26}
